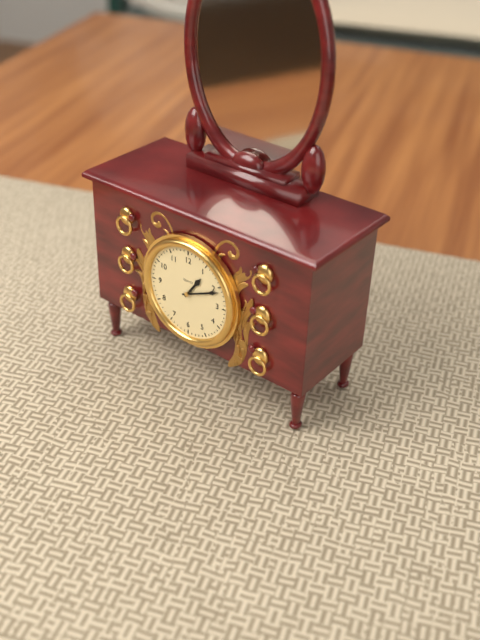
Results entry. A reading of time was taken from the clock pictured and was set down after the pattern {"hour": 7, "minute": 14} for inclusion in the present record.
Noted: {"hour": 1, "minute": 11}
